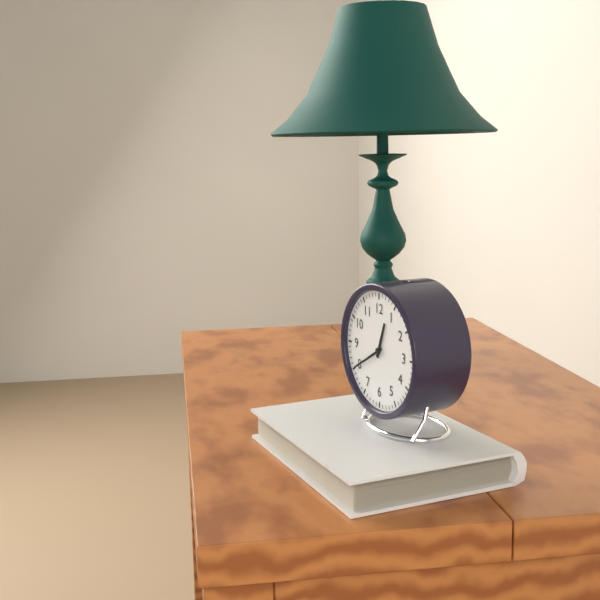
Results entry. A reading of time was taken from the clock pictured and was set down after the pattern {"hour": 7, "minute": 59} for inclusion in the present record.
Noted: {"hour": 12, "minute": 40}
